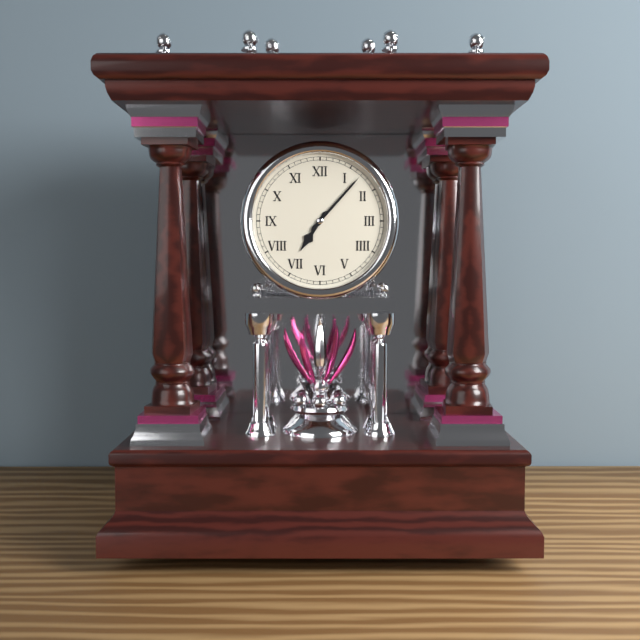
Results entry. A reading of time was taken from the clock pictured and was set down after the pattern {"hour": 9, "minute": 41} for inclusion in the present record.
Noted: {"hour": 7, "minute": 7}
